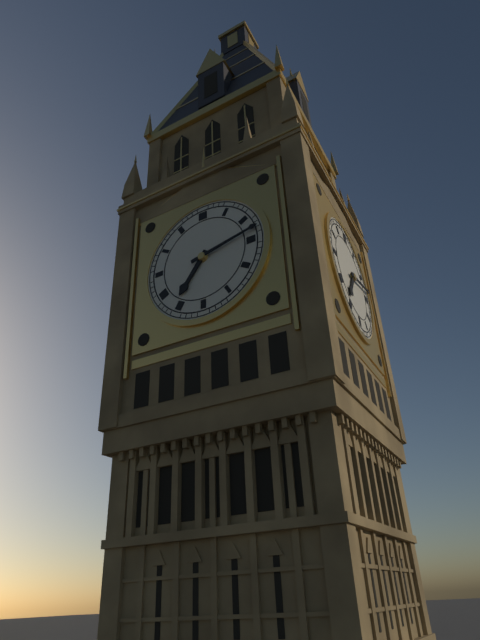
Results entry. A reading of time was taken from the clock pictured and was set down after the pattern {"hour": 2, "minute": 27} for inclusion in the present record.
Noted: {"hour": 7, "minute": 13}
